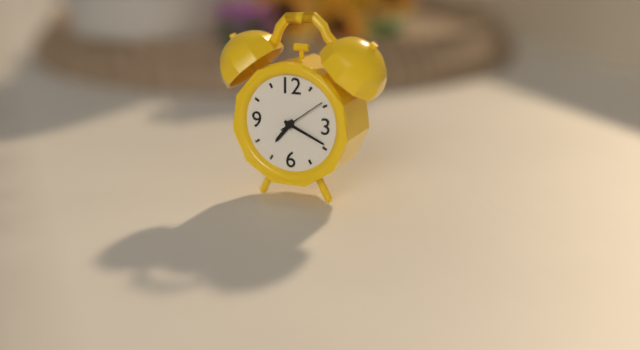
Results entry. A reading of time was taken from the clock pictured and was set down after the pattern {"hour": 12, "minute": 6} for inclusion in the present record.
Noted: {"hour": 7, "minute": 19}
